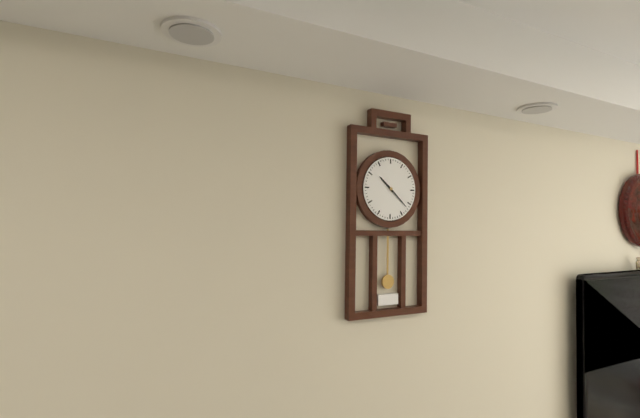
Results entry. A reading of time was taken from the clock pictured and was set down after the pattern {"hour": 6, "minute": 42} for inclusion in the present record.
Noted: {"hour": 10, "minute": 22}
